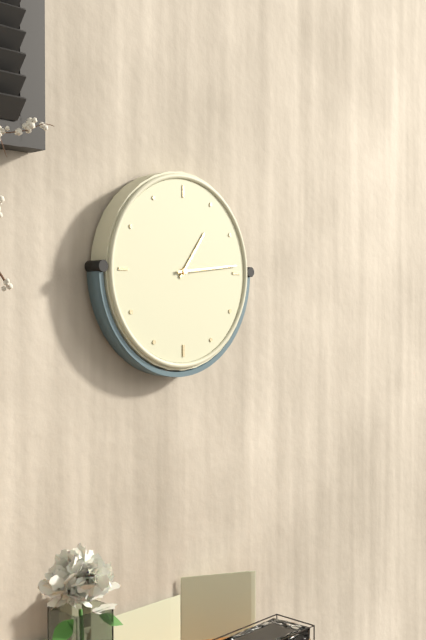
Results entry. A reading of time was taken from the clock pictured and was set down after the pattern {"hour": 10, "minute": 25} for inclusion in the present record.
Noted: {"hour": 1, "minute": 14}
